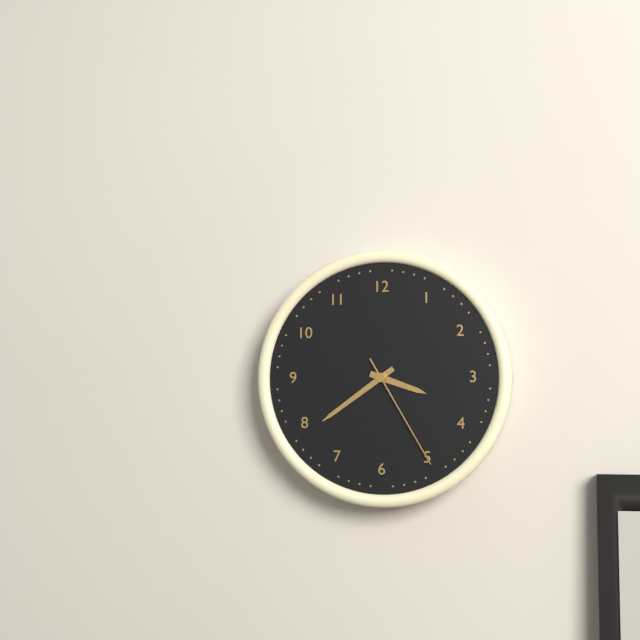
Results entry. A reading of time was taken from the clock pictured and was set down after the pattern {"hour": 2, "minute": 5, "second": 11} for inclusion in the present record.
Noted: {"hour": 3, "minute": 39, "second": 25}
